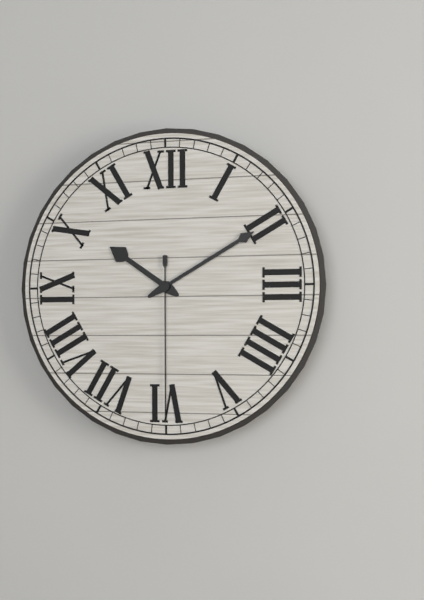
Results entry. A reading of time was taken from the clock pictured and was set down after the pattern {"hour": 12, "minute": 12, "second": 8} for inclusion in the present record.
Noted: {"hour": 10, "minute": 10, "second": 30}
